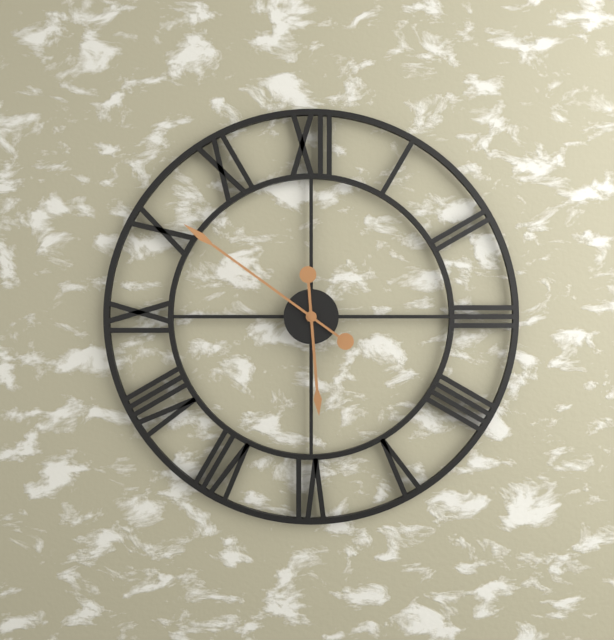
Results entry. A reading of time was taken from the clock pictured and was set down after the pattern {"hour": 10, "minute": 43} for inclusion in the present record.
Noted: {"hour": 5, "minute": 51}
